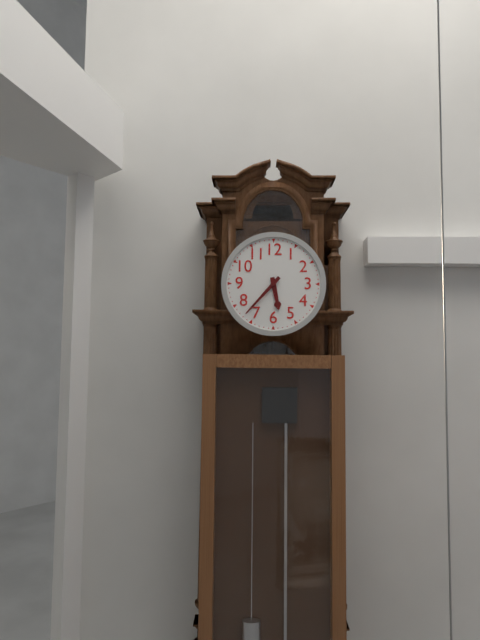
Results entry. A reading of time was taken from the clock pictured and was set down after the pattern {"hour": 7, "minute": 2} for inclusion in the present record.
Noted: {"hour": 5, "minute": 37}
